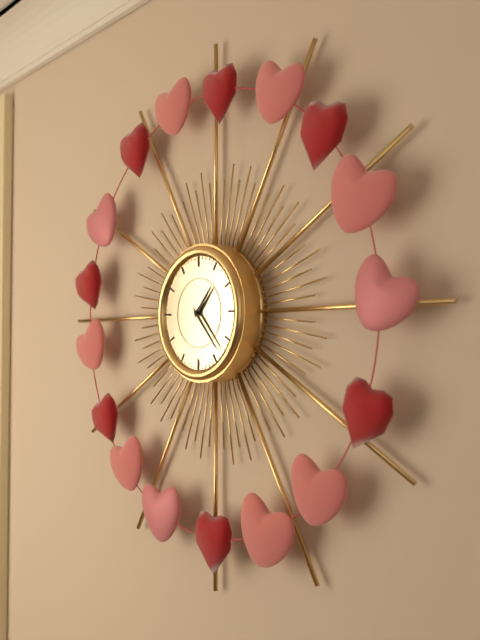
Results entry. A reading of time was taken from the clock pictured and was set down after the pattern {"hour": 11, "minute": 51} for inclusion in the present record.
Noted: {"hour": 1, "minute": 23}
